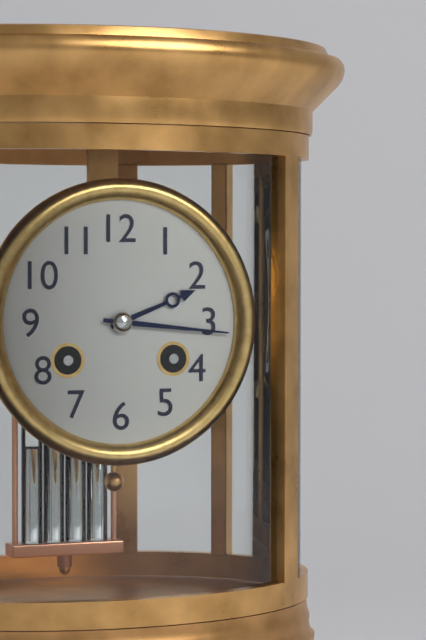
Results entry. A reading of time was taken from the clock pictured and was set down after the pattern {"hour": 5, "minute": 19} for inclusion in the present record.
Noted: {"hour": 2, "minute": 16}
